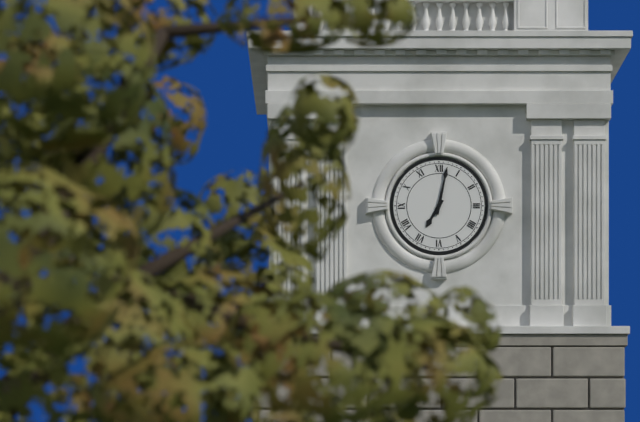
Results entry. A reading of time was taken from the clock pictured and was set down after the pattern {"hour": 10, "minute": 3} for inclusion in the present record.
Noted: {"hour": 7, "minute": 2}
